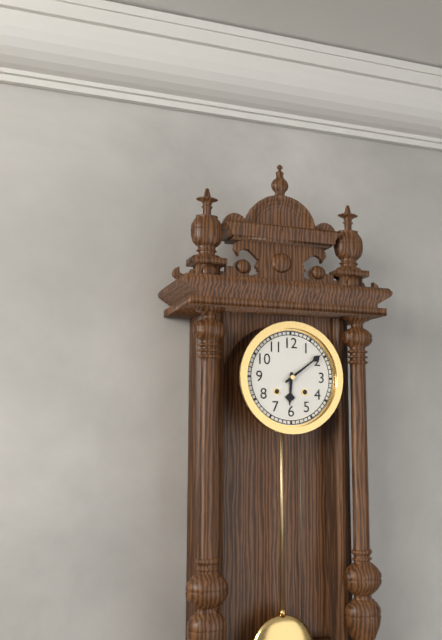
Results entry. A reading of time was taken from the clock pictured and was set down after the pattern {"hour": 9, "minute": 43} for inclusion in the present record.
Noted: {"hour": 6, "minute": 9}
